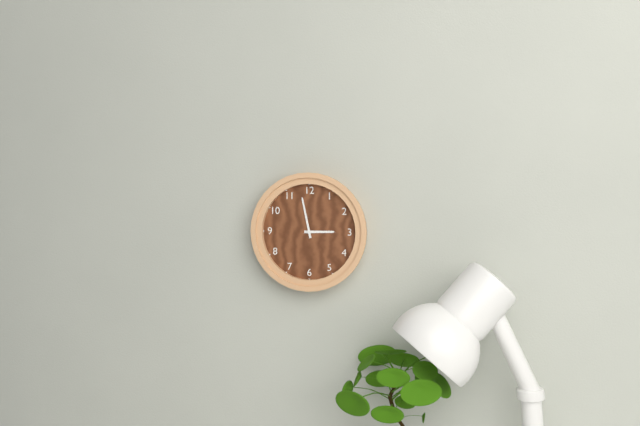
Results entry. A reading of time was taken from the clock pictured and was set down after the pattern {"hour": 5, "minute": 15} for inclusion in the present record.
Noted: {"hour": 2, "minute": 58}
